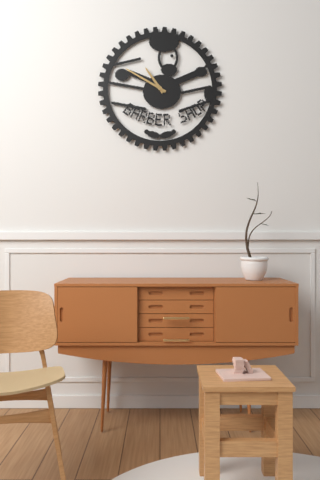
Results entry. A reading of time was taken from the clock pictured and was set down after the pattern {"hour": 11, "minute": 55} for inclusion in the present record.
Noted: {"hour": 10, "minute": 50}
